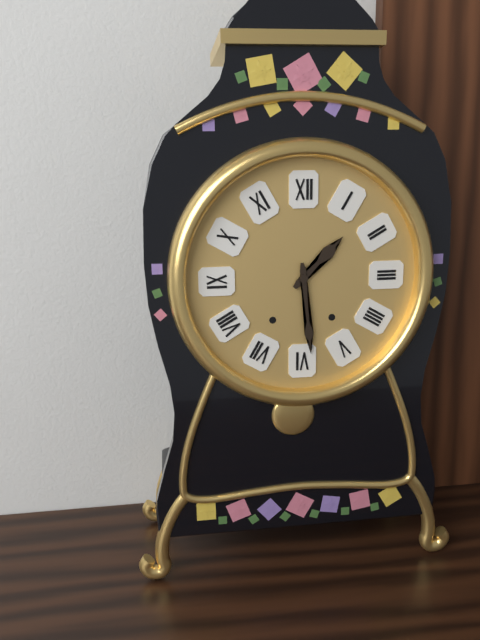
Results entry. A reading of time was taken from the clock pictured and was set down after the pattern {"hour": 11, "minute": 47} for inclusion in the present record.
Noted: {"hour": 1, "minute": 29}
